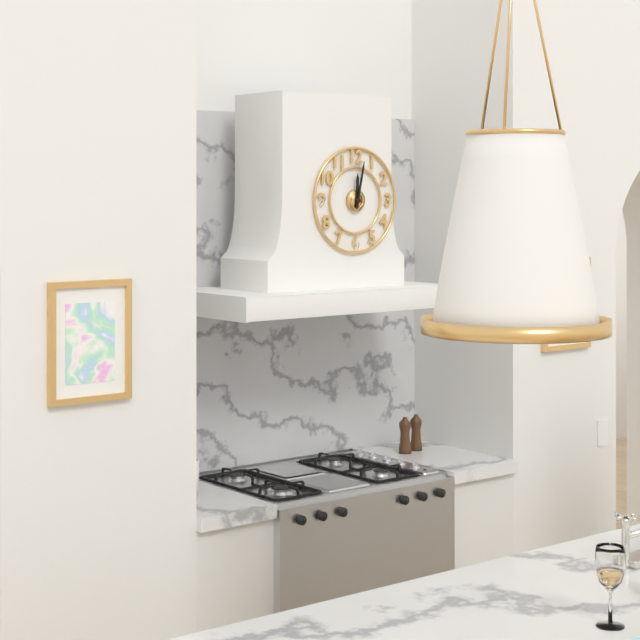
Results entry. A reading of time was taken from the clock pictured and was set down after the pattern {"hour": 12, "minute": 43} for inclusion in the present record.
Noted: {"hour": 12, "minute": 2}
